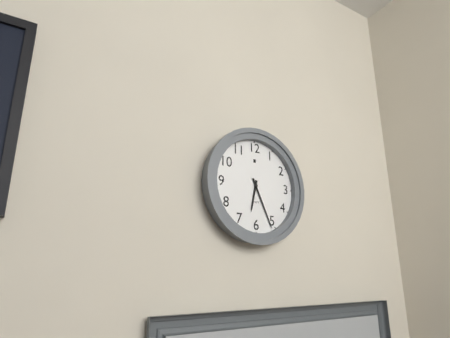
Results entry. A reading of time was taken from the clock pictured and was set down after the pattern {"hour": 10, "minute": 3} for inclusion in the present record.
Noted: {"hour": 6, "minute": 26}
